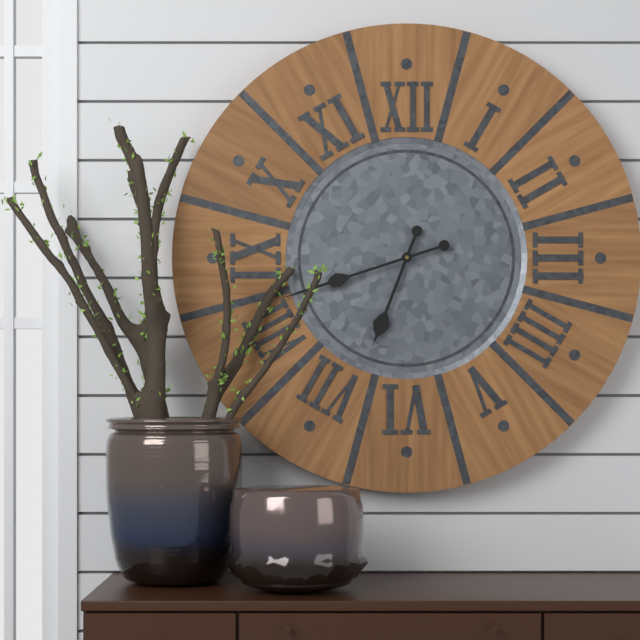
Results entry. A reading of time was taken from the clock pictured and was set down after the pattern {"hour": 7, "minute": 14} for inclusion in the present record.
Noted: {"hour": 6, "minute": 42}
